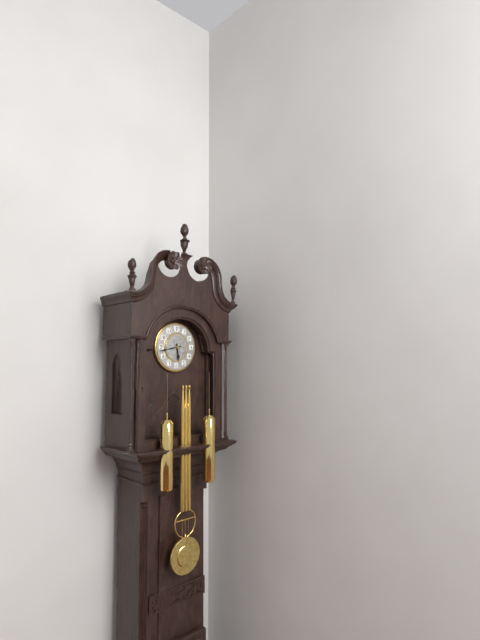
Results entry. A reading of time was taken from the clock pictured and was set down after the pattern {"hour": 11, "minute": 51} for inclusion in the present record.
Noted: {"hour": 5, "minute": 43}
